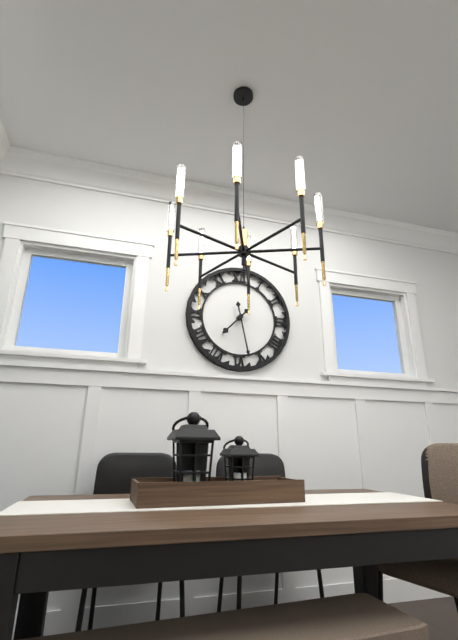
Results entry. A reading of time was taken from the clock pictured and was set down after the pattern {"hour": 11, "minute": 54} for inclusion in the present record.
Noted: {"hour": 7, "minute": 28}
